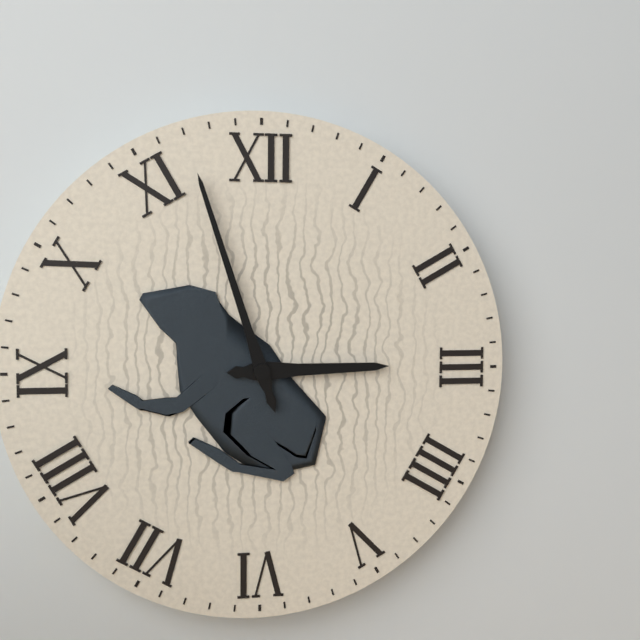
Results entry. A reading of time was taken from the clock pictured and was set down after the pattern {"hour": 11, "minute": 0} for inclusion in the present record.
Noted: {"hour": 2, "minute": 57}
